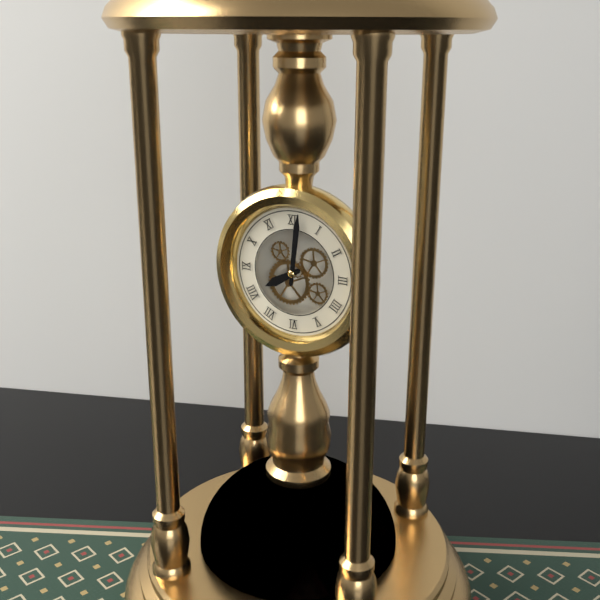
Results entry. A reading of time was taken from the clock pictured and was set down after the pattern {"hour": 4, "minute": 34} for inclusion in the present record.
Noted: {"hour": 8, "minute": 1}
